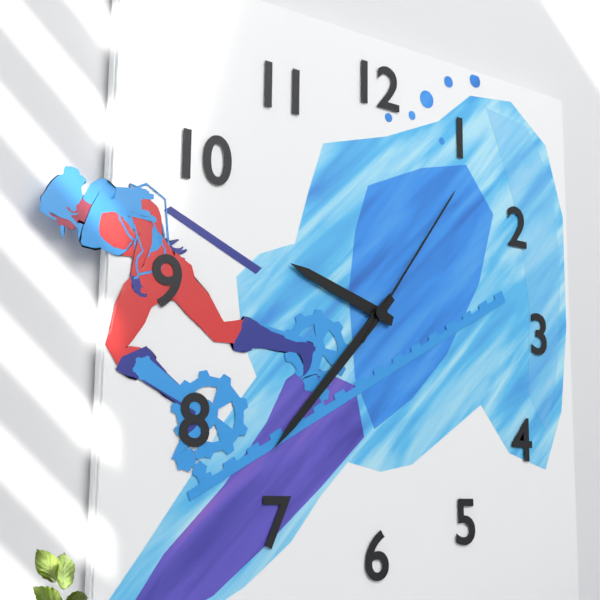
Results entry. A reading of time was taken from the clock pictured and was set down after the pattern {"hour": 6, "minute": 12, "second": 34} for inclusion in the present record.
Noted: {"hour": 9, "minute": 37, "second": 6}
